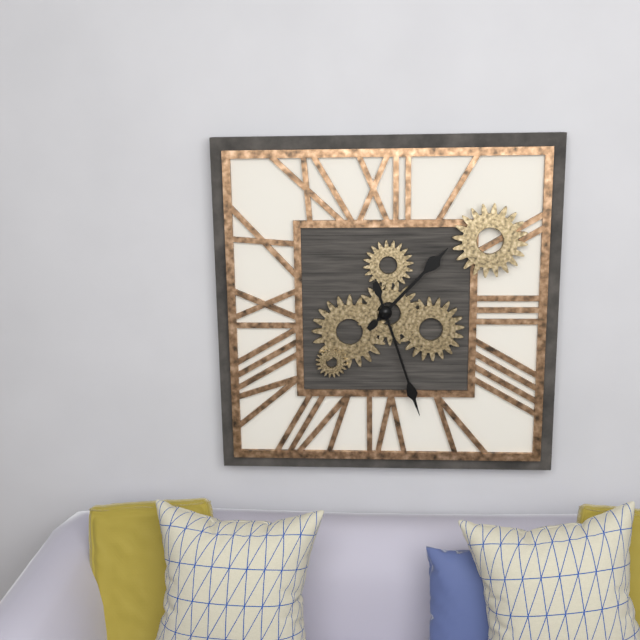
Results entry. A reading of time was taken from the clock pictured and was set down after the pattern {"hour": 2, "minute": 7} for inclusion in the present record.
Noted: {"hour": 1, "minute": 27}
